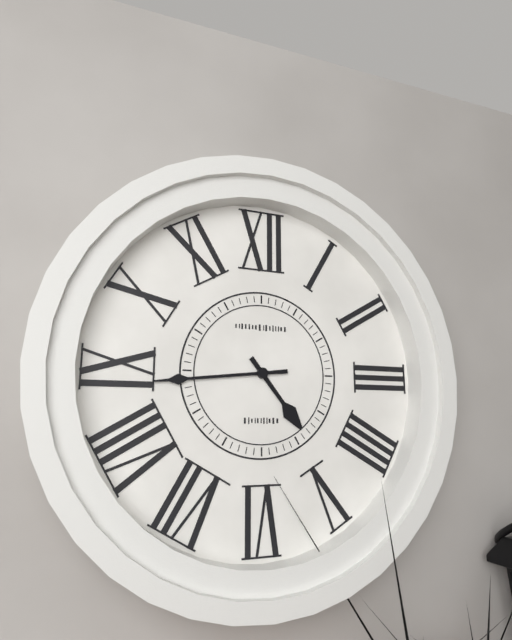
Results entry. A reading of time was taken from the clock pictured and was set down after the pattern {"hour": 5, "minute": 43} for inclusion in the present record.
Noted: {"hour": 4, "minute": 44}
